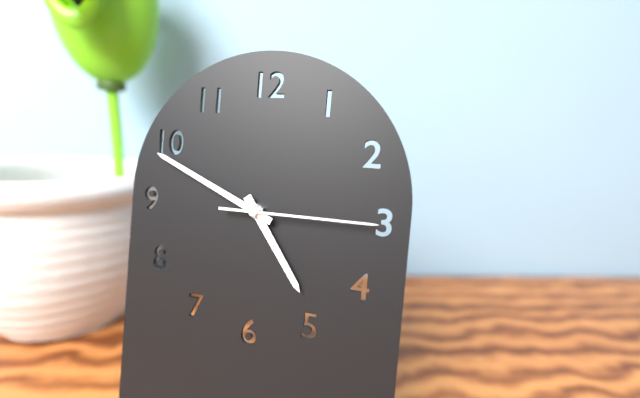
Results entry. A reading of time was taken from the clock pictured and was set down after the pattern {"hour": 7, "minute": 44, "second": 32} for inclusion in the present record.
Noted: {"hour": 4, "minute": 49, "second": 15}
